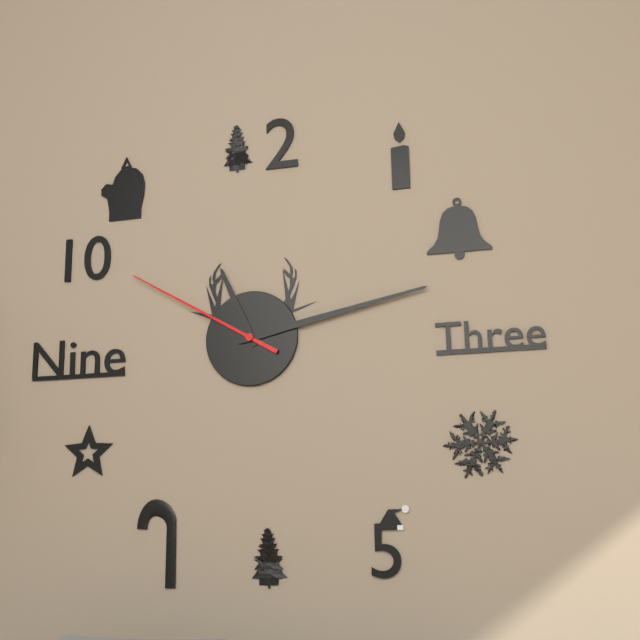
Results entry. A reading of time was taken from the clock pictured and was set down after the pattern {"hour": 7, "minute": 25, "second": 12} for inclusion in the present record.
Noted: {"hour": 11, "minute": 13, "second": 50}
